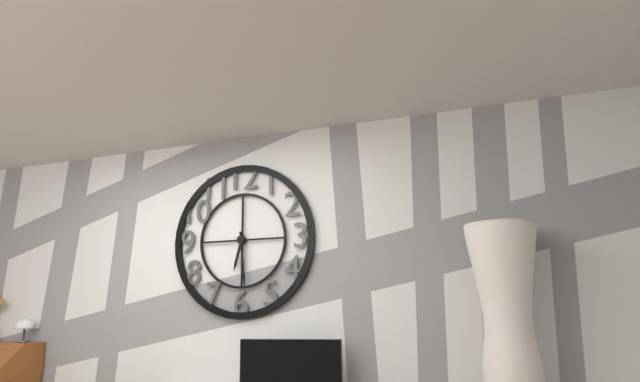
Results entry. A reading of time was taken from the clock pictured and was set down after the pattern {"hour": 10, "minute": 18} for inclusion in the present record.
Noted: {"hour": 6, "minute": 29}
